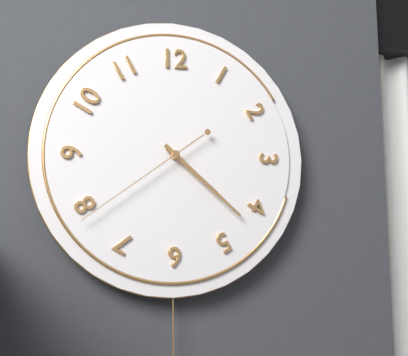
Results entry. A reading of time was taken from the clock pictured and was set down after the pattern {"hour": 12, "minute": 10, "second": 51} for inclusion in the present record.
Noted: {"hour": 4, "minute": 22, "second": 39}
